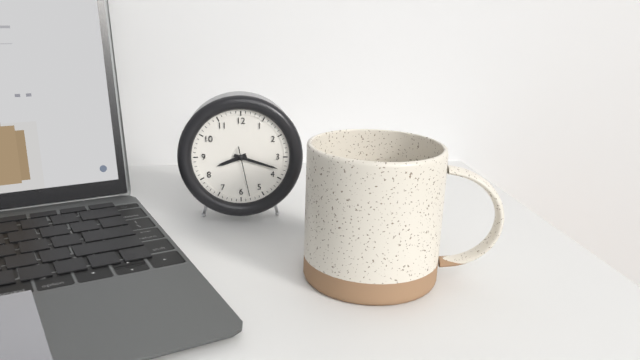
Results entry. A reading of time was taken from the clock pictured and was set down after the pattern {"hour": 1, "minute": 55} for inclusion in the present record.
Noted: {"hour": 8, "minute": 18}
